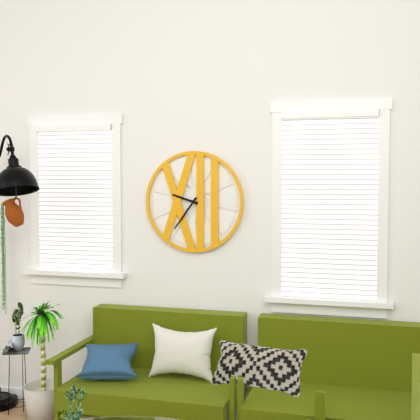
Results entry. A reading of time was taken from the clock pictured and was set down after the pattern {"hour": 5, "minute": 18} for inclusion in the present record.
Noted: {"hour": 9, "minute": 36}
